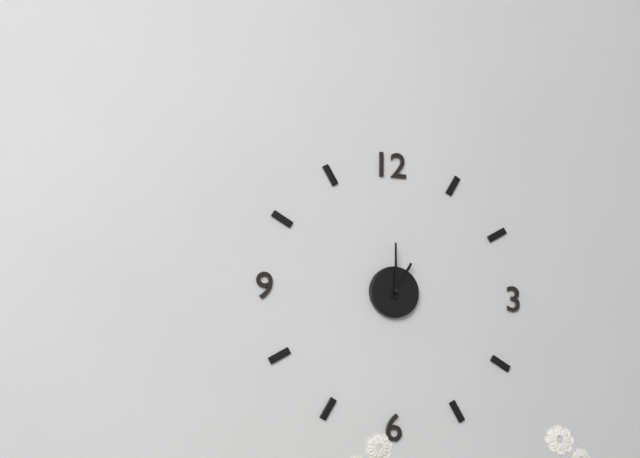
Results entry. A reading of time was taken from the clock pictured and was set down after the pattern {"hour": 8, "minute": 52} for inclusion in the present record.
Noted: {"hour": 1, "minute": 0}
